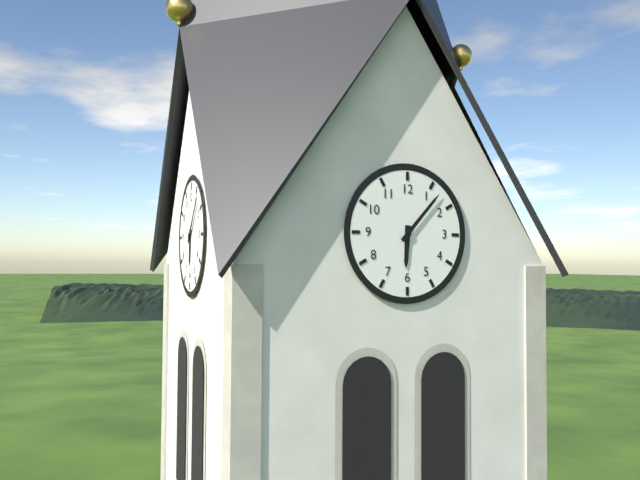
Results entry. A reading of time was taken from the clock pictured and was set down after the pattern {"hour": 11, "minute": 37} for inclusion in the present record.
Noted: {"hour": 6, "minute": 7}
